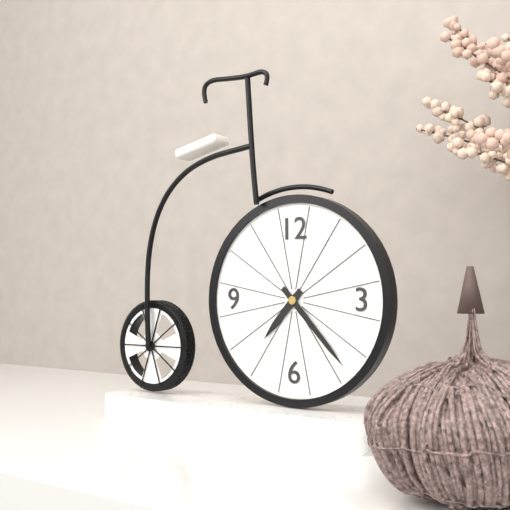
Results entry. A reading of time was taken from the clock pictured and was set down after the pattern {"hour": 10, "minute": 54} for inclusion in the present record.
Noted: {"hour": 7, "minute": 23}
